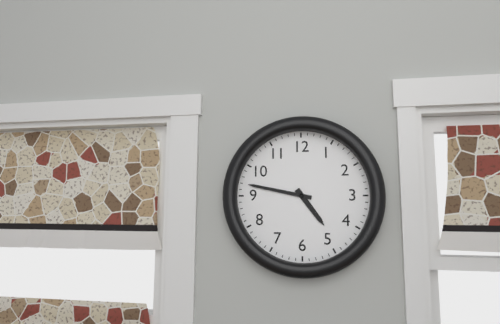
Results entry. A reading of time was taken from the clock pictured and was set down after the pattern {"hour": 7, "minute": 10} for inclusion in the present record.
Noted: {"hour": 4, "minute": 47}
